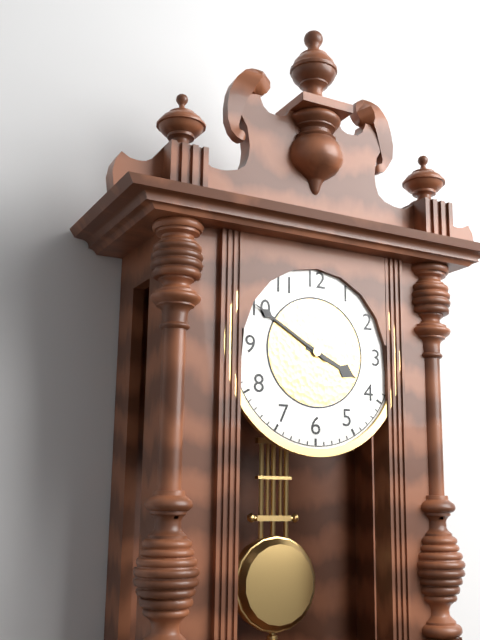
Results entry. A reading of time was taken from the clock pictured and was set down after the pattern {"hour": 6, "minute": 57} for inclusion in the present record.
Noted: {"hour": 3, "minute": 50}
